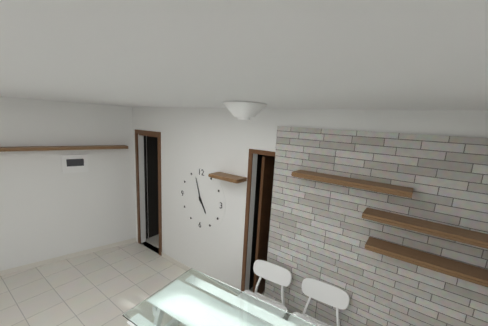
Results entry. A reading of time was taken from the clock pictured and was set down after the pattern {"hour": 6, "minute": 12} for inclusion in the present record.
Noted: {"hour": 4, "minute": 57}
